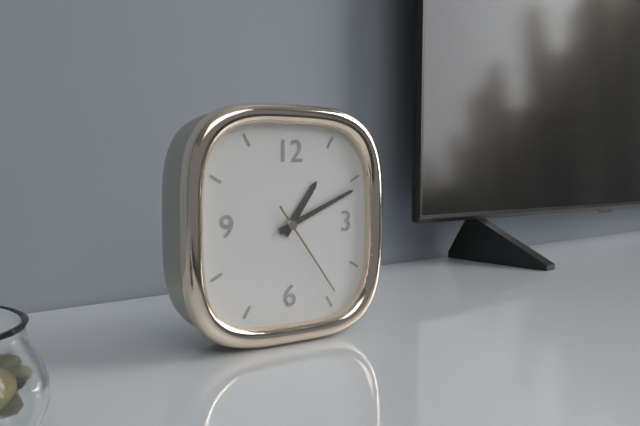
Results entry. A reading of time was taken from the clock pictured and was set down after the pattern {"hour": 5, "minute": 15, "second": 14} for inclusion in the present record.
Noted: {"hour": 1, "minute": 11, "second": 24}
